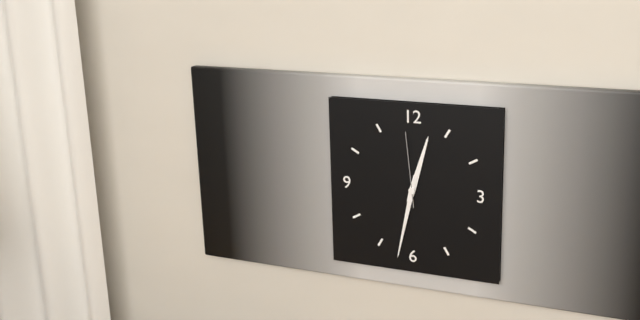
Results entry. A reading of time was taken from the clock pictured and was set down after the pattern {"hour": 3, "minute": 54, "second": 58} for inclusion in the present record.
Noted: {"hour": 12, "minute": 32, "second": 59}
